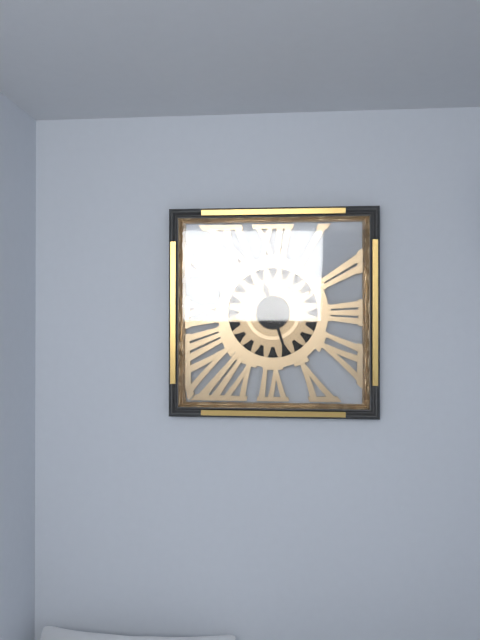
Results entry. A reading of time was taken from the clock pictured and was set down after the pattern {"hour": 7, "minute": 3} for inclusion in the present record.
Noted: {"hour": 11, "minute": 27}
